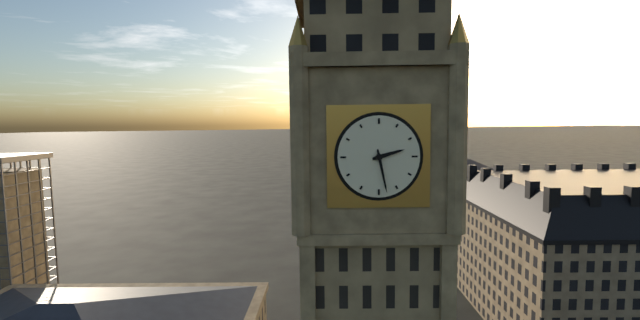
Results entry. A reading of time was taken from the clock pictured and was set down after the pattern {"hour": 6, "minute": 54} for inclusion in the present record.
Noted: {"hour": 2, "minute": 28}
